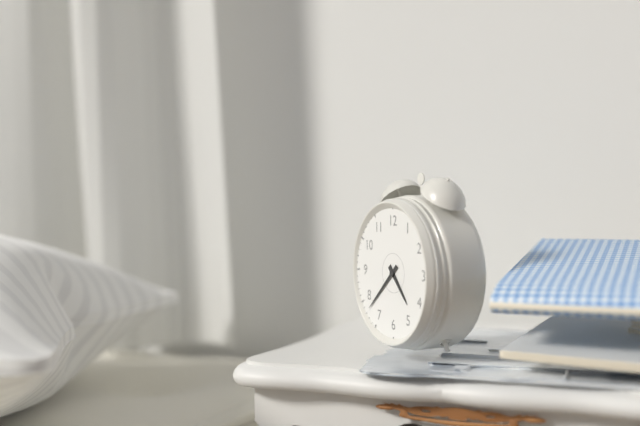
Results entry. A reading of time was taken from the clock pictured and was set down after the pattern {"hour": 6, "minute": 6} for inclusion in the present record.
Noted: {"hour": 4, "minute": 38}
